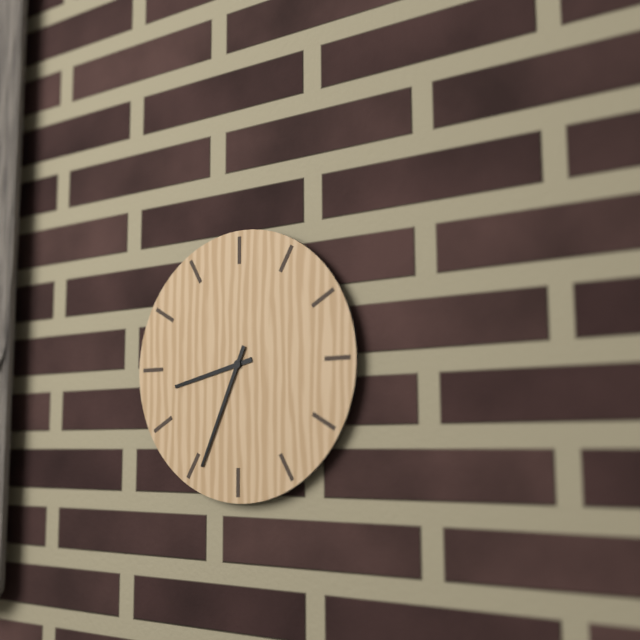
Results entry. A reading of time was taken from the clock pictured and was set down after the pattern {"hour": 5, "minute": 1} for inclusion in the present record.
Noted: {"hour": 8, "minute": 34}
